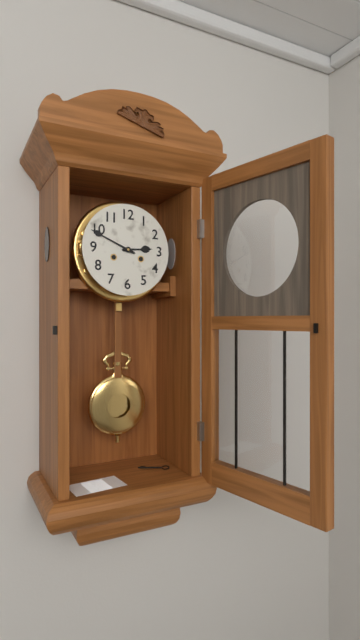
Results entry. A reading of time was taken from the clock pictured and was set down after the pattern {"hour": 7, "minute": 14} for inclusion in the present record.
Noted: {"hour": 2, "minute": 49}
